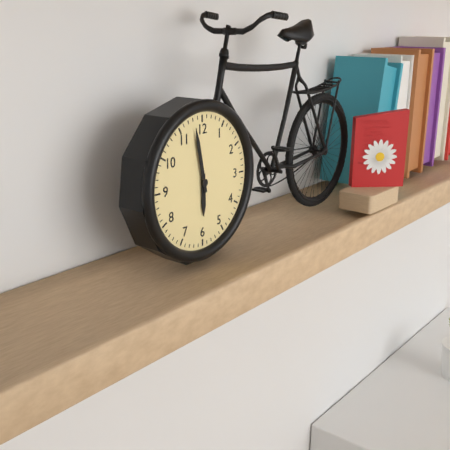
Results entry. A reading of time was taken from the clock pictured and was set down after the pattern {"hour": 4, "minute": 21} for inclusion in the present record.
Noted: {"hour": 5, "minute": 58}
